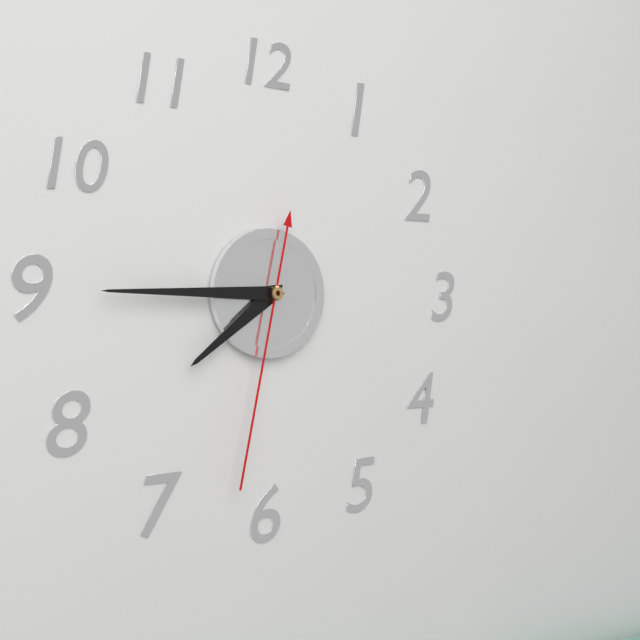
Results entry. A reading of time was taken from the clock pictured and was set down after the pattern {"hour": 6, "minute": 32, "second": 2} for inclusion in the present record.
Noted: {"hour": 7, "minute": 45, "second": 32}
